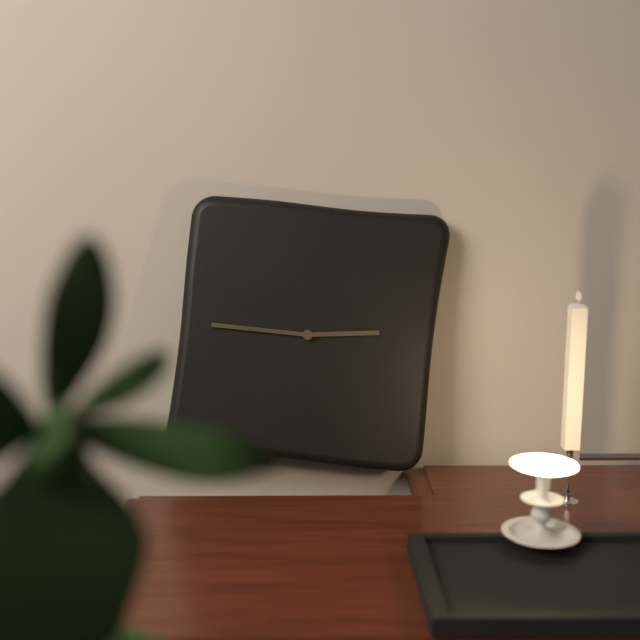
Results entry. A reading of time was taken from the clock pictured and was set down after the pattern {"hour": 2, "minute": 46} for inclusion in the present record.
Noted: {"hour": 2, "minute": 45}
